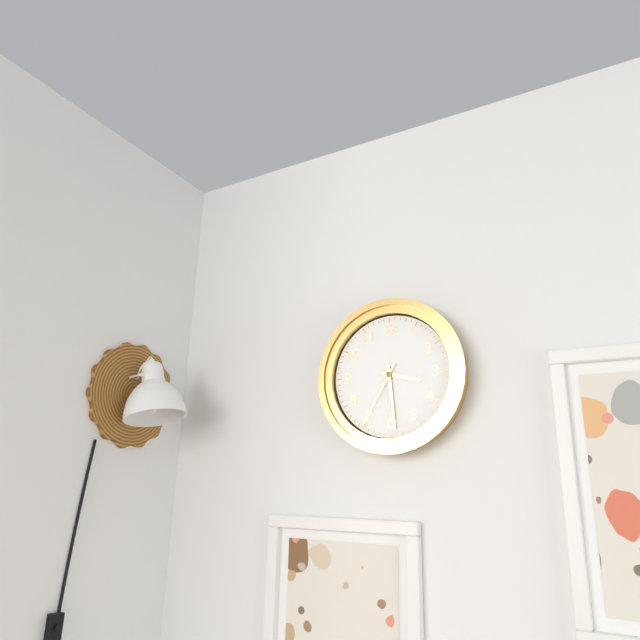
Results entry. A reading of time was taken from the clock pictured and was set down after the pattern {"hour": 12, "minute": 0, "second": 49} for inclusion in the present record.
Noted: {"hour": 3, "minute": 29, "second": 35}
